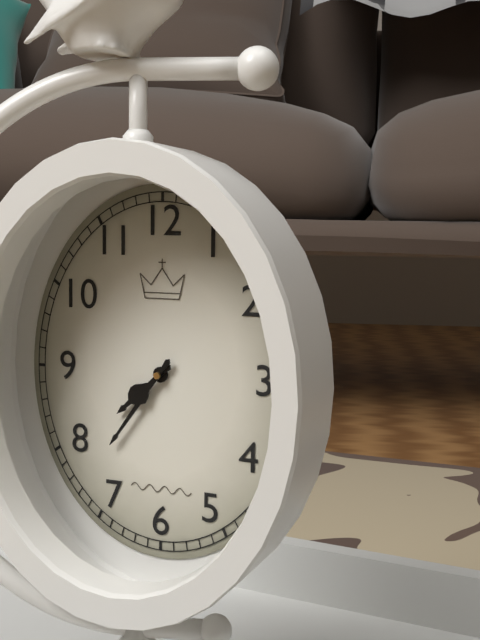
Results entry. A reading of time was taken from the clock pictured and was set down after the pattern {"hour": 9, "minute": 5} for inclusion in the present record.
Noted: {"hour": 7, "minute": 36}
